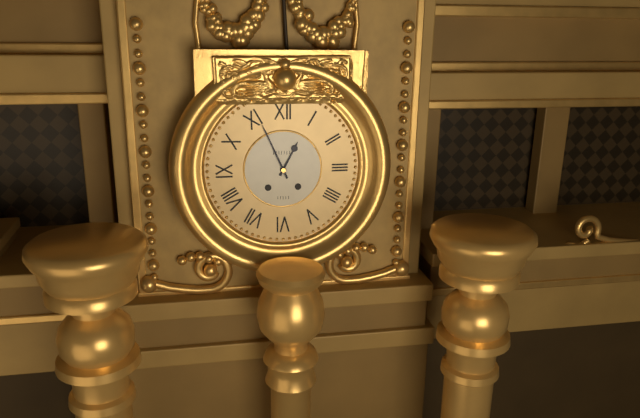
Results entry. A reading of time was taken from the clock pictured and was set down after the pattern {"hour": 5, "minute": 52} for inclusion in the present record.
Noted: {"hour": 12, "minute": 56}
